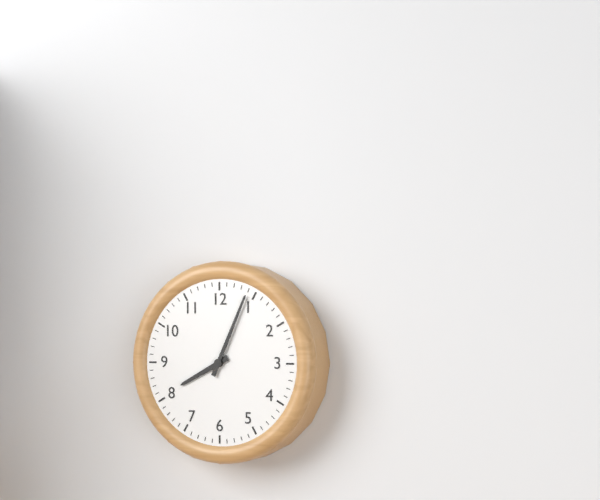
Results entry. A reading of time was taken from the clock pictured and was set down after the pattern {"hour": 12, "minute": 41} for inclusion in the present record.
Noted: {"hour": 8, "minute": 4}
